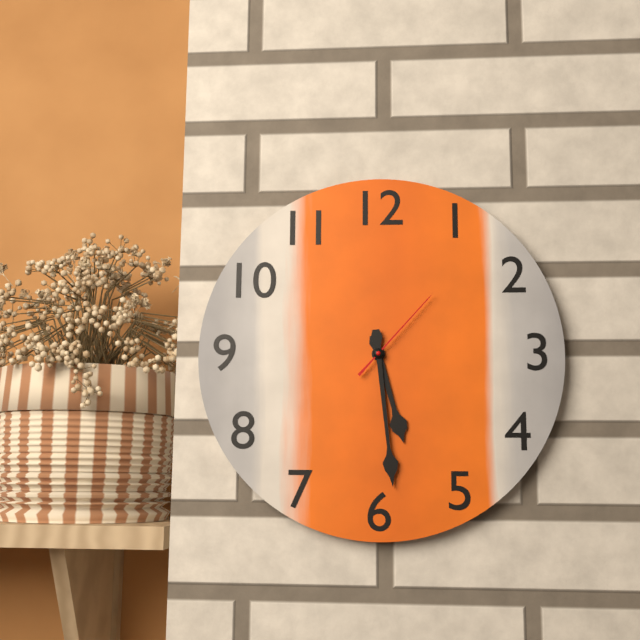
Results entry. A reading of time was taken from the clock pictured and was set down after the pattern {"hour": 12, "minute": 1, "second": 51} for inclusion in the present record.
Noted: {"hour": 5, "minute": 29, "second": 7}
